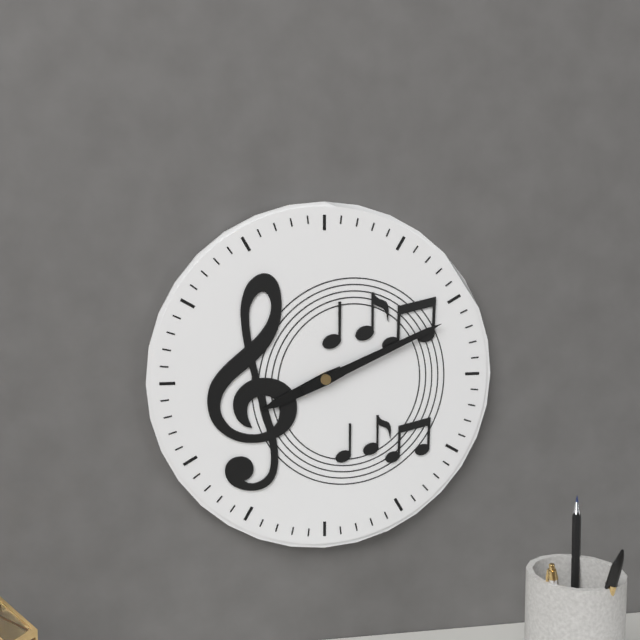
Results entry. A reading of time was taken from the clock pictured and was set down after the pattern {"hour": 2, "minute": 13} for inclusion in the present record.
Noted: {"hour": 8, "minute": 11}
